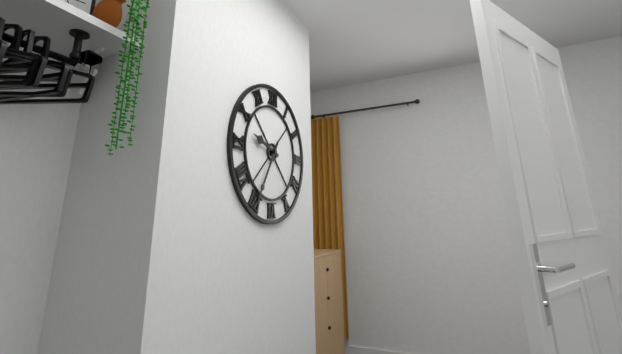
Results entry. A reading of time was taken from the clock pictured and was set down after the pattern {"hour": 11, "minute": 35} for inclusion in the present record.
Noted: {"hour": 9, "minute": 35}
